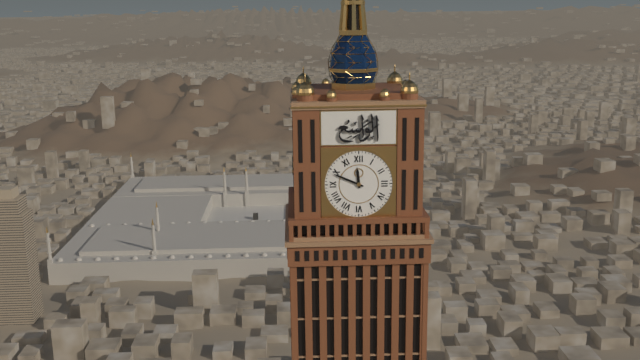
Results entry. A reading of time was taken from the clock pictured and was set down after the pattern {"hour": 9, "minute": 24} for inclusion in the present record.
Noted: {"hour": 11, "minute": 49}
